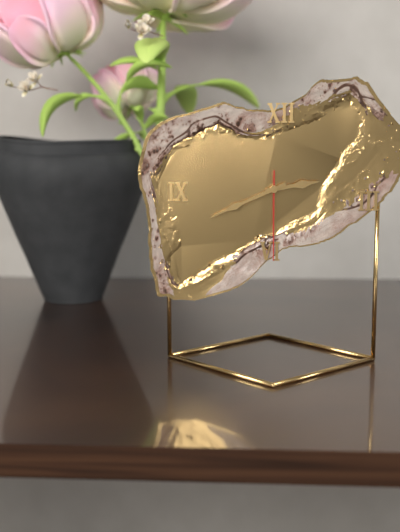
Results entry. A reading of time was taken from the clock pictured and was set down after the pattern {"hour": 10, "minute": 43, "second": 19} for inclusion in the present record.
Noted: {"hour": 2, "minute": 41, "second": 30}
